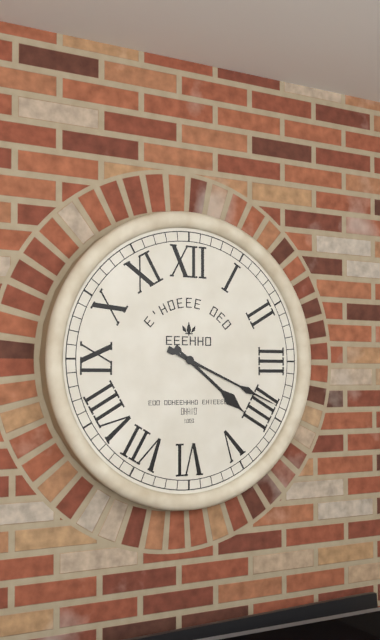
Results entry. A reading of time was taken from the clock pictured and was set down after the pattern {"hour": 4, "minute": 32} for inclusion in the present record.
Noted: {"hour": 4, "minute": 19}
